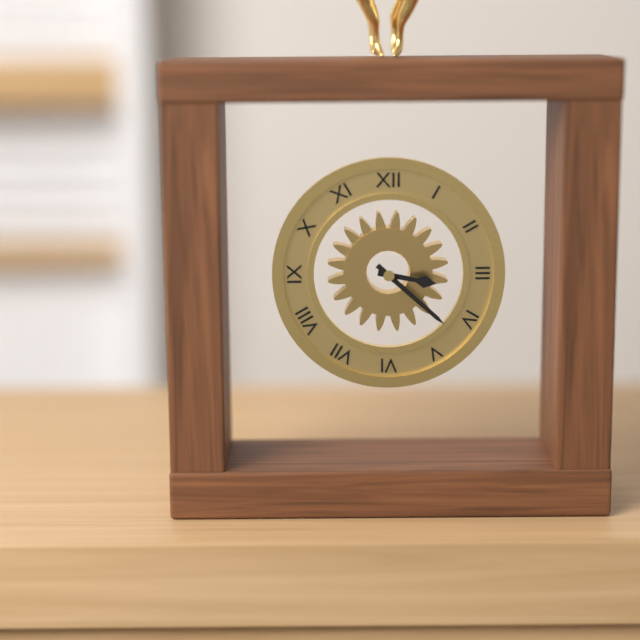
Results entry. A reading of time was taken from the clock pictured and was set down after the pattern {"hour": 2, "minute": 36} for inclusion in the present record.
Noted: {"hour": 3, "minute": 22}
